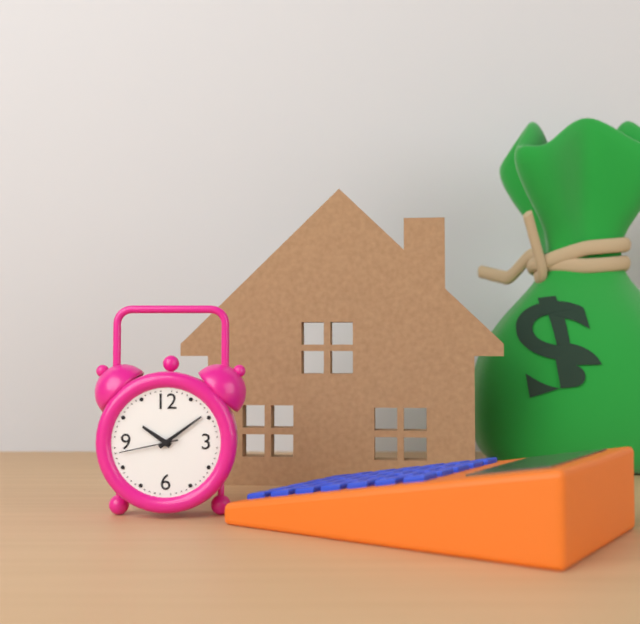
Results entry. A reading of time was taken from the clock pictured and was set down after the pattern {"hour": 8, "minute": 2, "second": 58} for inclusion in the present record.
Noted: {"hour": 10, "minute": 9, "second": 43}
